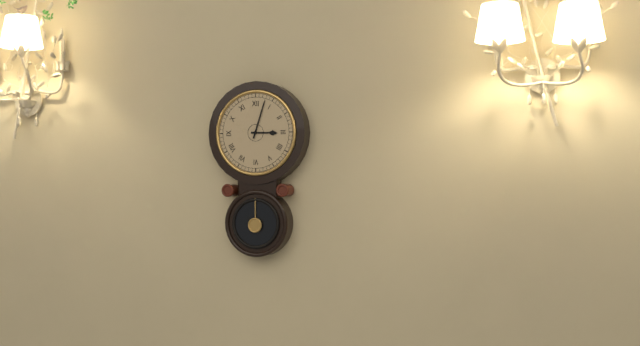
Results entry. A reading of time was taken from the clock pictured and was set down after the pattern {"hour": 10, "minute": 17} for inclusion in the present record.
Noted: {"hour": 3, "minute": 3}
